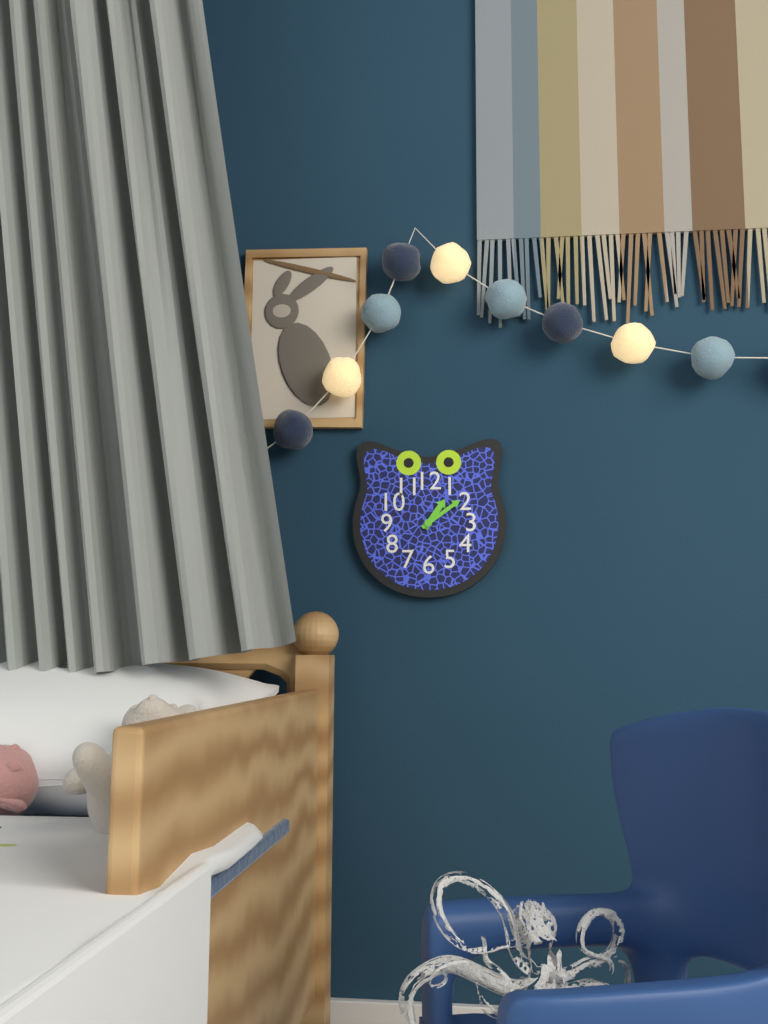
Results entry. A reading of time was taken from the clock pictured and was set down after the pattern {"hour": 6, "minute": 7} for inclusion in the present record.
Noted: {"hour": 1, "minute": 9}
